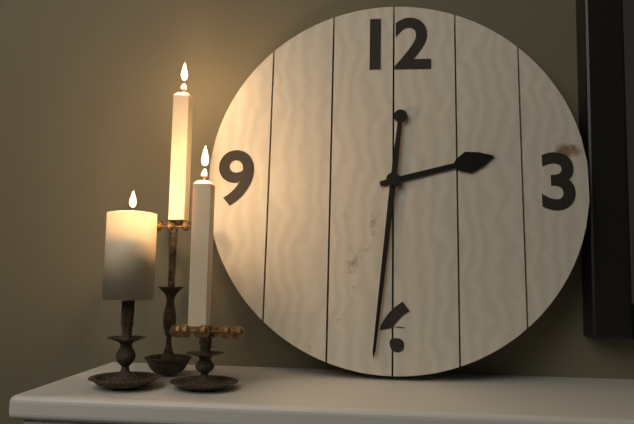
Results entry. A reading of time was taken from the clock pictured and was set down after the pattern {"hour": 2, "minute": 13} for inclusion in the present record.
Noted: {"hour": 2, "minute": 31}
